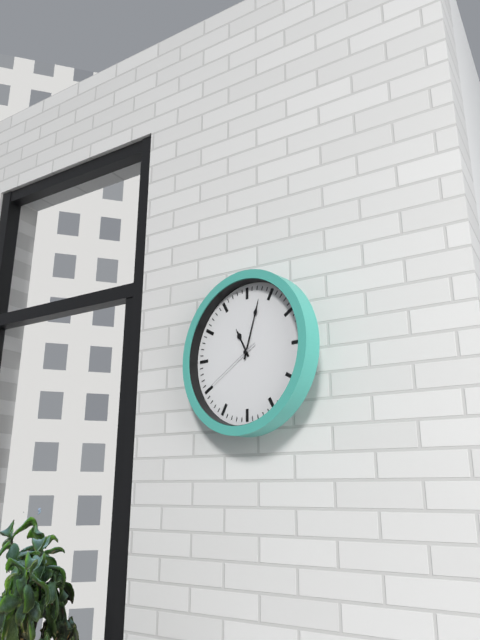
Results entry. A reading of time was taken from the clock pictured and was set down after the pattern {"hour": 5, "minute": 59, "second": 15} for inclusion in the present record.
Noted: {"hour": 11, "minute": 3, "second": 40}
